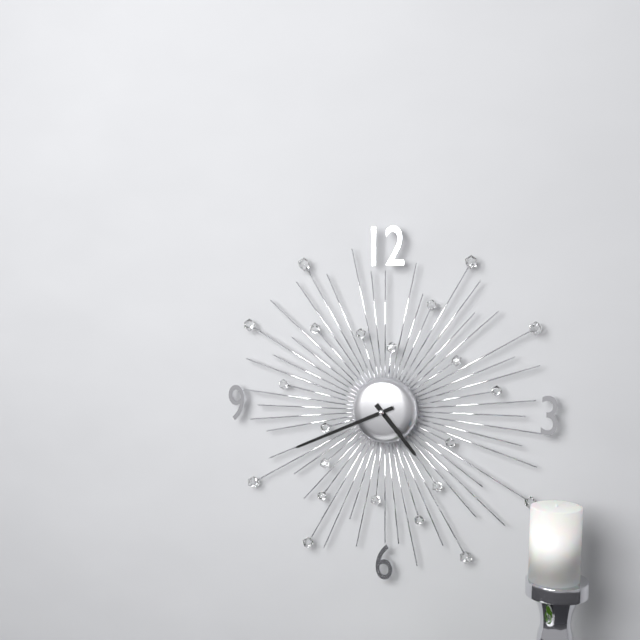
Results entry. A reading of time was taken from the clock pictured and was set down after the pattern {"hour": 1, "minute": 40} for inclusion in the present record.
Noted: {"hour": 4, "minute": 41}
